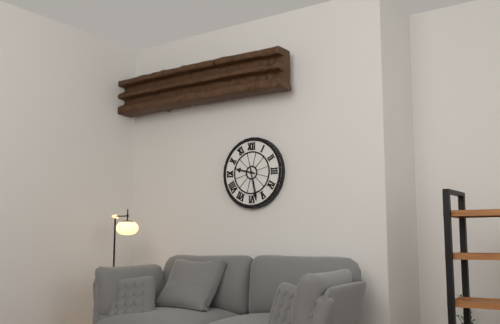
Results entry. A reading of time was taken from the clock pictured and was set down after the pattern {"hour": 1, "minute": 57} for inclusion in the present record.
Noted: {"hour": 9, "minute": 28}
